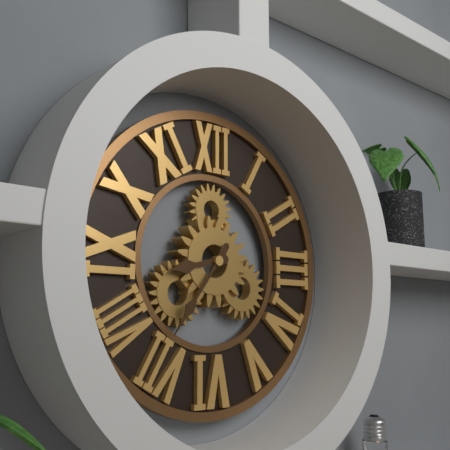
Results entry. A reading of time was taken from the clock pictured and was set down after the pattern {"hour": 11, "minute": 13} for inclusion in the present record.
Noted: {"hour": 8, "minute": 36}
